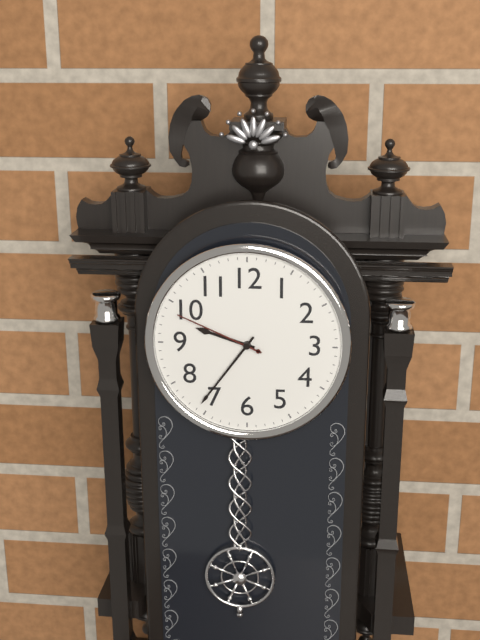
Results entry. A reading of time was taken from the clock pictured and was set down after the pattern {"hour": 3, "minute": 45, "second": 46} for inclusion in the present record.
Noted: {"hour": 9, "minute": 36, "second": 49}
